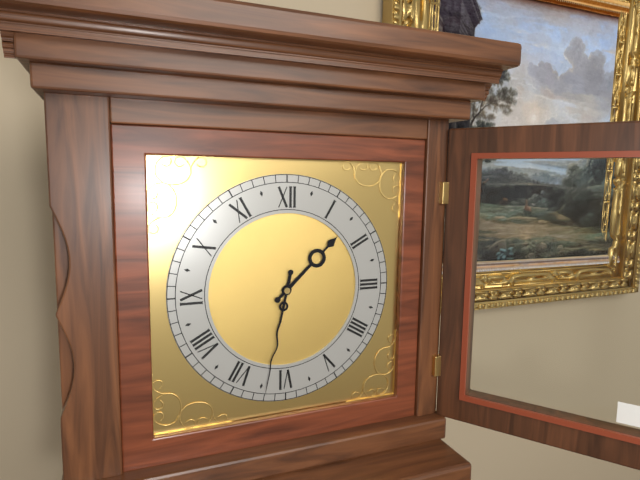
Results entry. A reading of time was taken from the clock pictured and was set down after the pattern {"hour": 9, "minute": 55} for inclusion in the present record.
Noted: {"hour": 1, "minute": 32}
